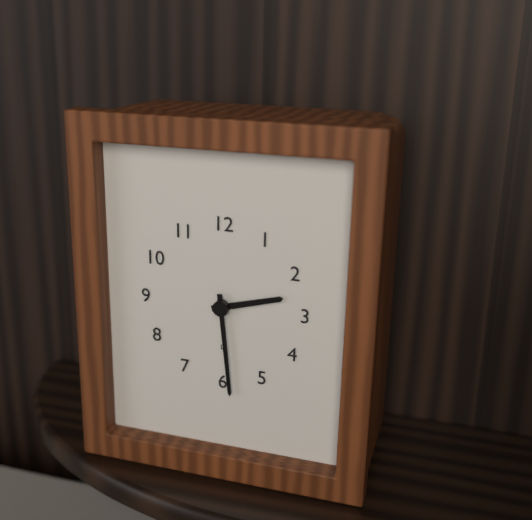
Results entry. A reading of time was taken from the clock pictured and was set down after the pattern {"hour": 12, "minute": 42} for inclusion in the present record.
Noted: {"hour": 2, "minute": 29}
